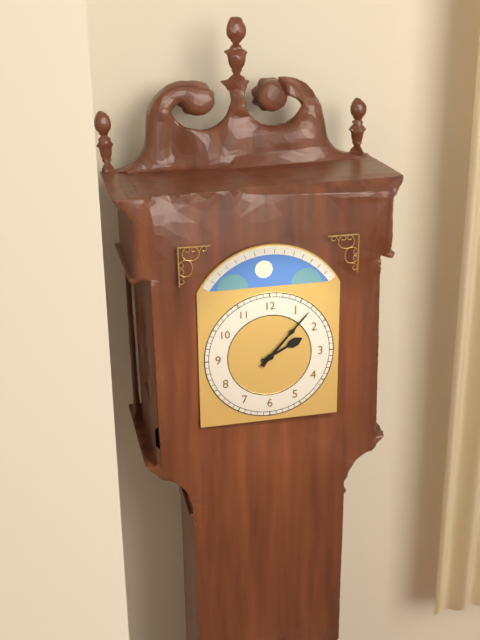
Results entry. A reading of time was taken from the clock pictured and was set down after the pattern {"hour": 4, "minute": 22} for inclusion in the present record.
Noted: {"hour": 2, "minute": 7}
